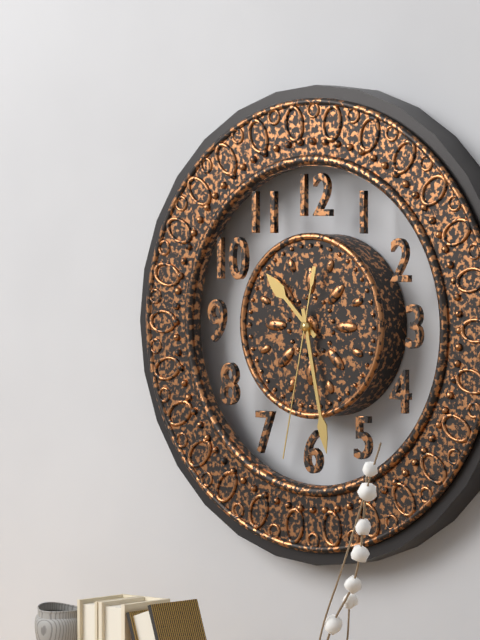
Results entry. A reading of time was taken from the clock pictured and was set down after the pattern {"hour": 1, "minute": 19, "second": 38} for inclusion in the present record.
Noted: {"hour": 10, "minute": 28, "second": 32}
